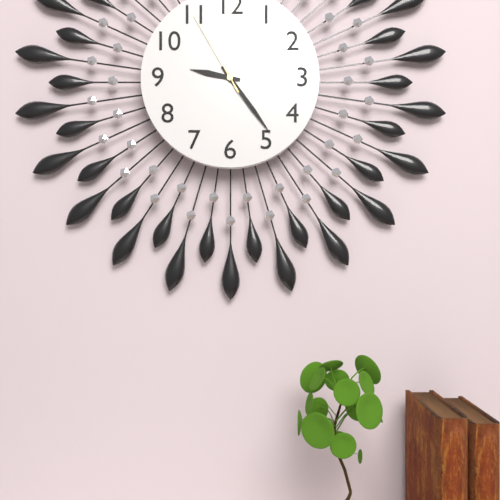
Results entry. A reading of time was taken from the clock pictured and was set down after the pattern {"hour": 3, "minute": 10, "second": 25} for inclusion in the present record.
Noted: {"hour": 9, "minute": 24, "second": 55}
